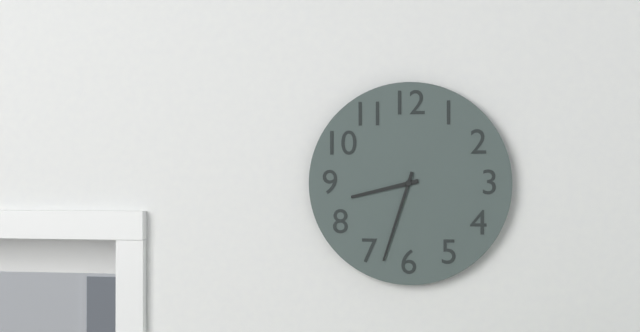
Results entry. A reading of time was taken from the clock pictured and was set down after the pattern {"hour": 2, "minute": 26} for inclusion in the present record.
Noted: {"hour": 8, "minute": 33}
